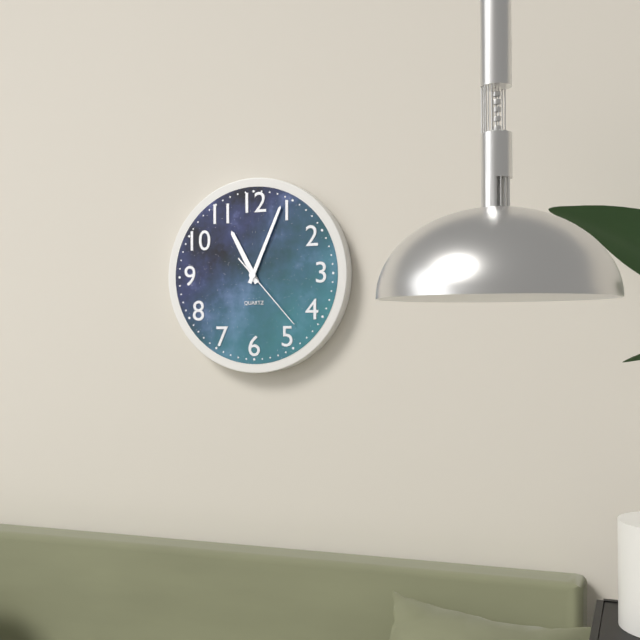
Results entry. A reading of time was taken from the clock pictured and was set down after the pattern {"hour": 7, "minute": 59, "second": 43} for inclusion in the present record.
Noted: {"hour": 11, "minute": 4, "second": 23}
